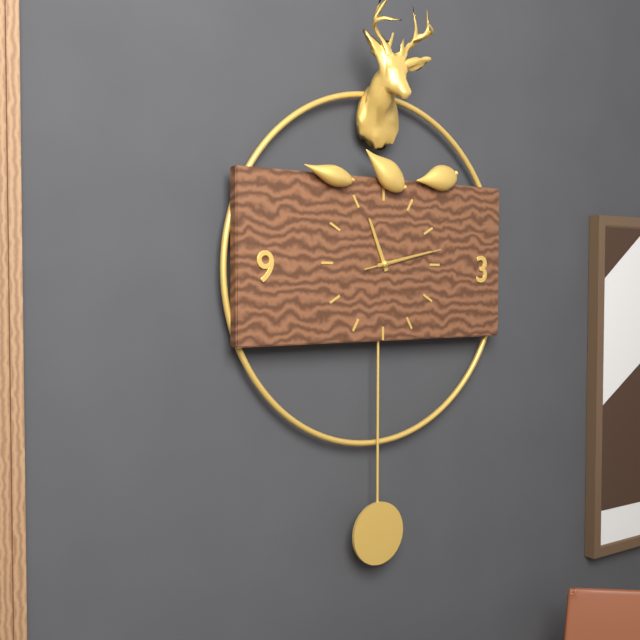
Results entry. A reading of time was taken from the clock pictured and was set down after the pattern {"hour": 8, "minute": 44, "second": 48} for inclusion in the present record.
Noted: {"hour": 11, "minute": 13, "second": 13}
